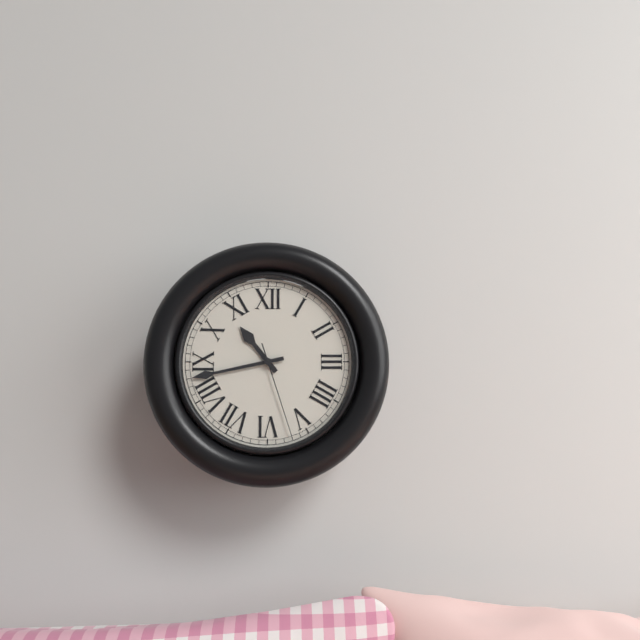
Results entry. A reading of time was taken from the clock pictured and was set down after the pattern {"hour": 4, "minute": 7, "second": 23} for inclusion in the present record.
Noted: {"hour": 10, "minute": 43, "second": 27}
